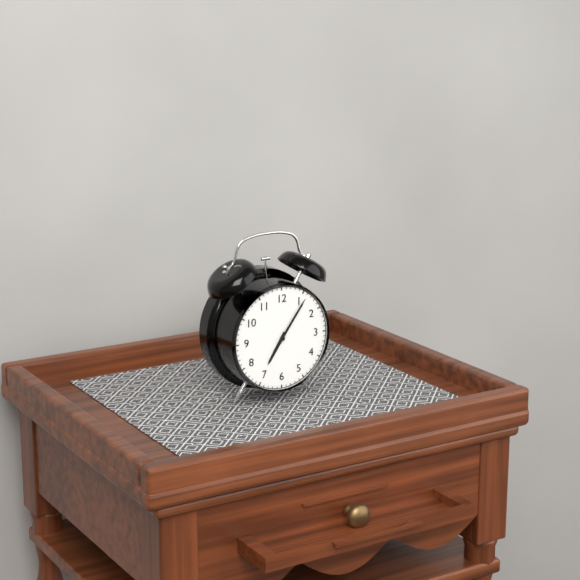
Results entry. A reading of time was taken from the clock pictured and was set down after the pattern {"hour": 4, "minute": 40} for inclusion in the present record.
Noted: {"hour": 7, "minute": 6}
